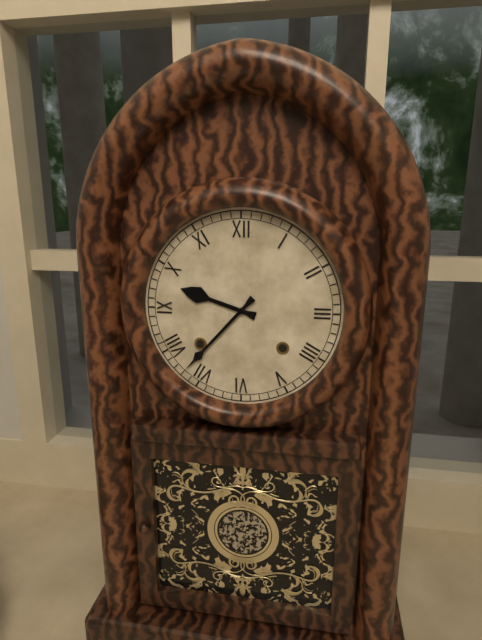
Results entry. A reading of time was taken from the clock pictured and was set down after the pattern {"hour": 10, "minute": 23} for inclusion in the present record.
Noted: {"hour": 9, "minute": 37}
